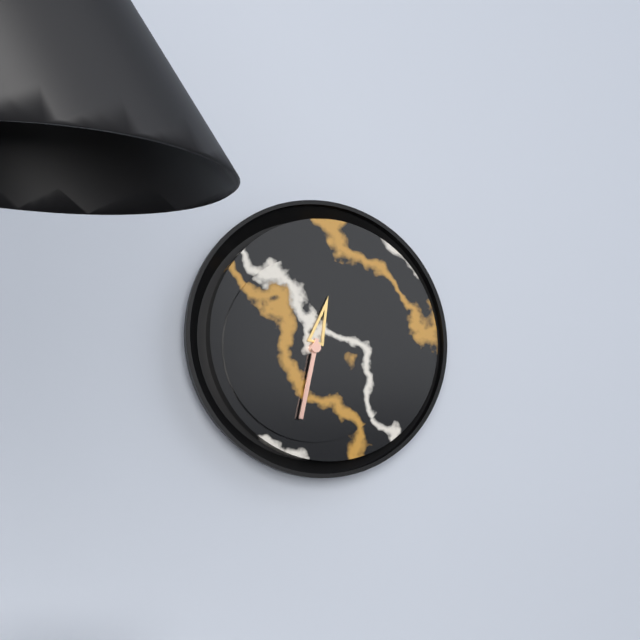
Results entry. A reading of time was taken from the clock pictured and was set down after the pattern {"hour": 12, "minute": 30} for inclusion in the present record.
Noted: {"hour": 12, "minute": 32}
